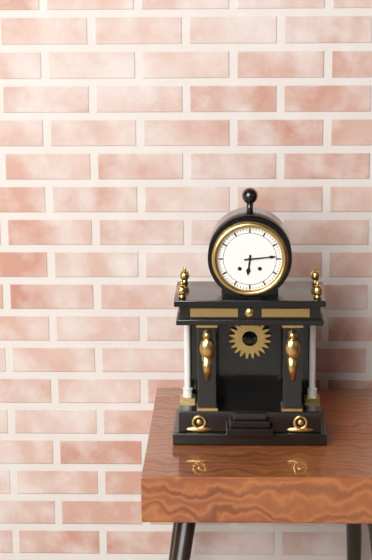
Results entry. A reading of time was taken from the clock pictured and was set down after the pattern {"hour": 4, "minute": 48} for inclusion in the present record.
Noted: {"hour": 6, "minute": 14}
